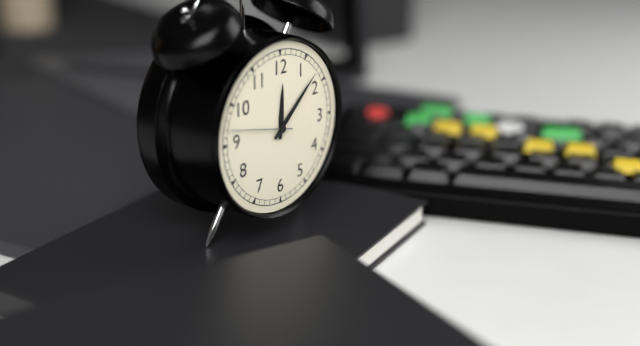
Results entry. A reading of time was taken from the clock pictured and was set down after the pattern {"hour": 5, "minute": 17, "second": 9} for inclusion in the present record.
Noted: {"hour": 12, "minute": 8, "second": 47}
